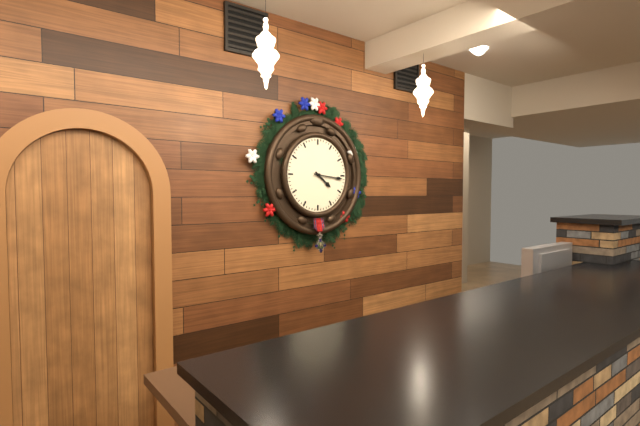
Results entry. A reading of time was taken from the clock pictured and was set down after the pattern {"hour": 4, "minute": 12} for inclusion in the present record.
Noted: {"hour": 4, "minute": 16}
